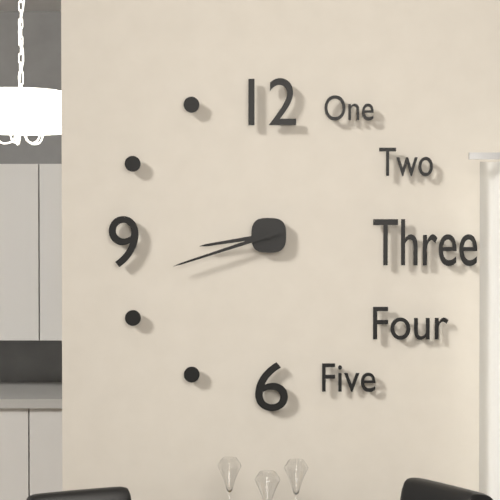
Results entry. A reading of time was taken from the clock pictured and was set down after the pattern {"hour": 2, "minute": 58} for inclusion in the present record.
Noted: {"hour": 8, "minute": 42}
